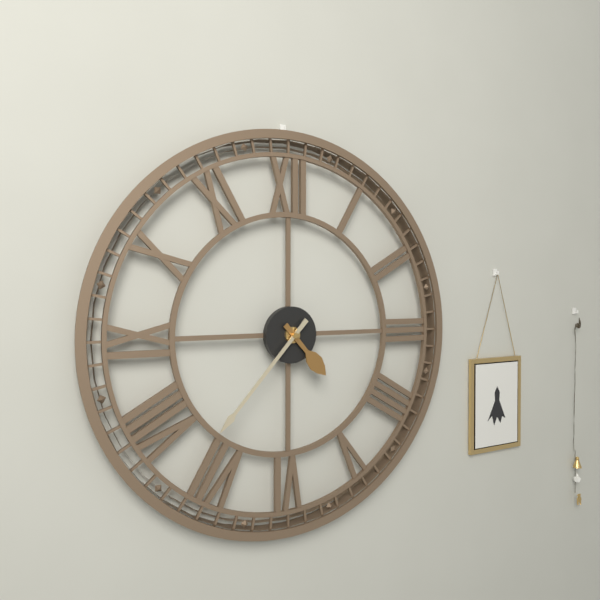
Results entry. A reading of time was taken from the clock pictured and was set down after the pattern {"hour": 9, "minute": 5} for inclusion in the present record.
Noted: {"hour": 4, "minute": 37}
